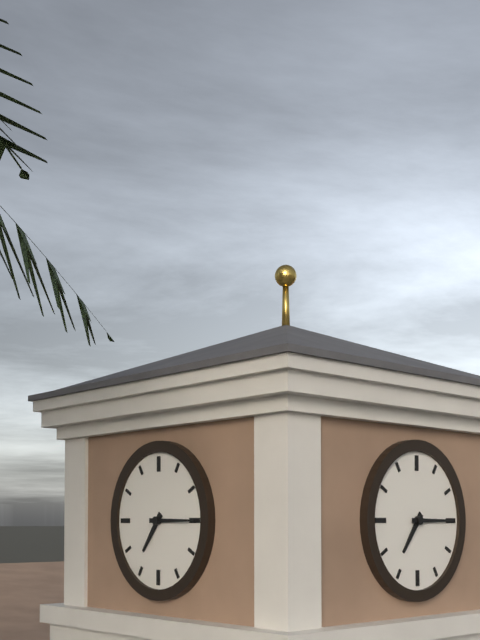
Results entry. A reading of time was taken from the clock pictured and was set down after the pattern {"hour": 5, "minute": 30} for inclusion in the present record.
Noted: {"hour": 7, "minute": 15}
